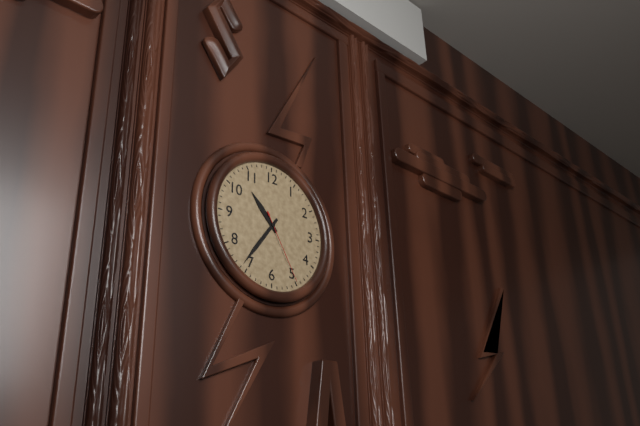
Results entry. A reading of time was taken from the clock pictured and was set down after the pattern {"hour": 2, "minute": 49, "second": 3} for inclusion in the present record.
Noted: {"hour": 10, "minute": 36, "second": 25}
